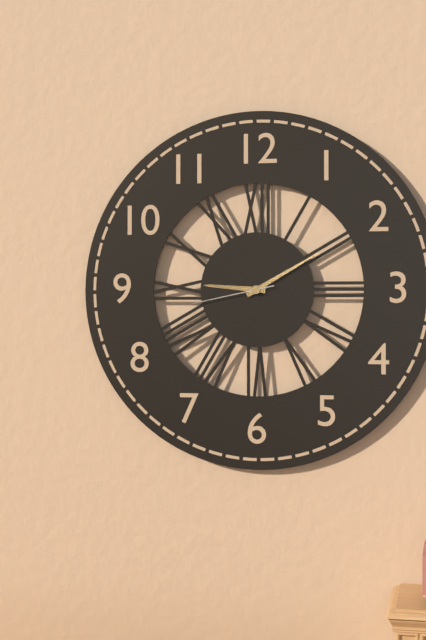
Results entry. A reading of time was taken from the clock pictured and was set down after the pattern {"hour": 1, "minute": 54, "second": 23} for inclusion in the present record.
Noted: {"hour": 9, "minute": 10, "second": 43}
